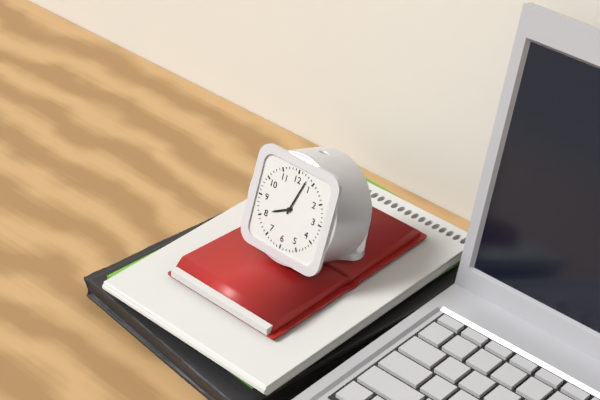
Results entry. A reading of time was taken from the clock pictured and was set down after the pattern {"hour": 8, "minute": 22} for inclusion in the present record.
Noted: {"hour": 8, "minute": 3}
